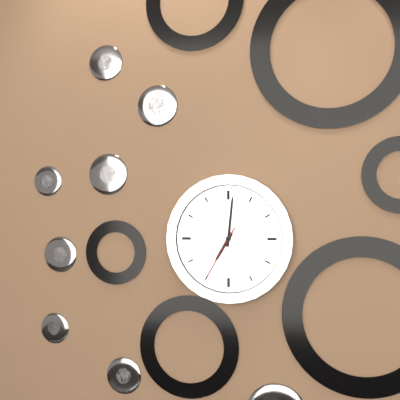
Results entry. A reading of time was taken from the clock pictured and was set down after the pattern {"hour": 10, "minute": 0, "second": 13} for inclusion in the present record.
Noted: {"hour": 7, "minute": 1, "second": 35}
